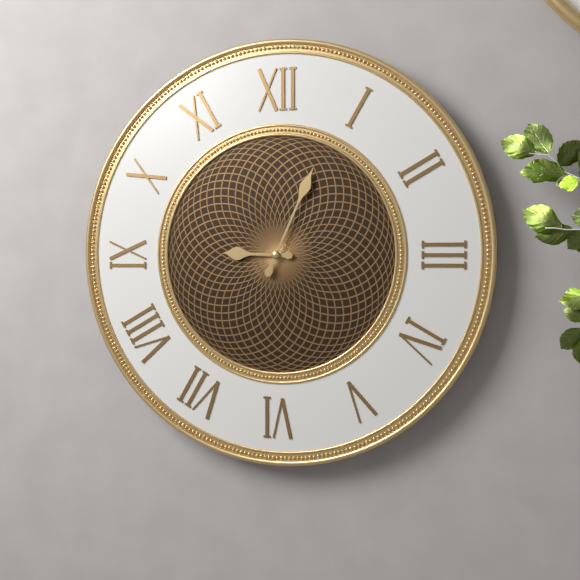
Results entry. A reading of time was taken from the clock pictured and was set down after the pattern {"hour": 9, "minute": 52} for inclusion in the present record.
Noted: {"hour": 9, "minute": 4}
